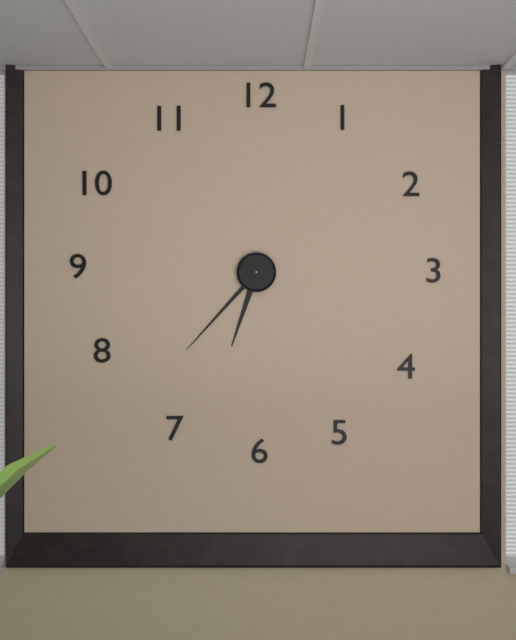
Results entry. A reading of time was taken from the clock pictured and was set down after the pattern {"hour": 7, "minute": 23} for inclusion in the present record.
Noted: {"hour": 6, "minute": 37}
